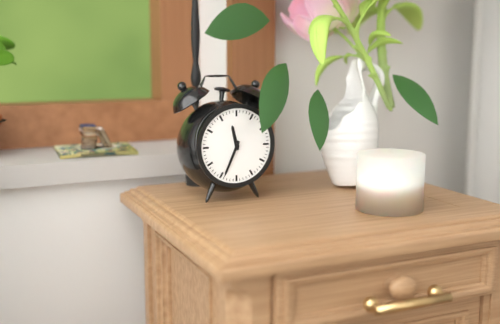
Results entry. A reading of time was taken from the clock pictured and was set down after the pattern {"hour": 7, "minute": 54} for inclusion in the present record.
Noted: {"hour": 11, "minute": 34}
